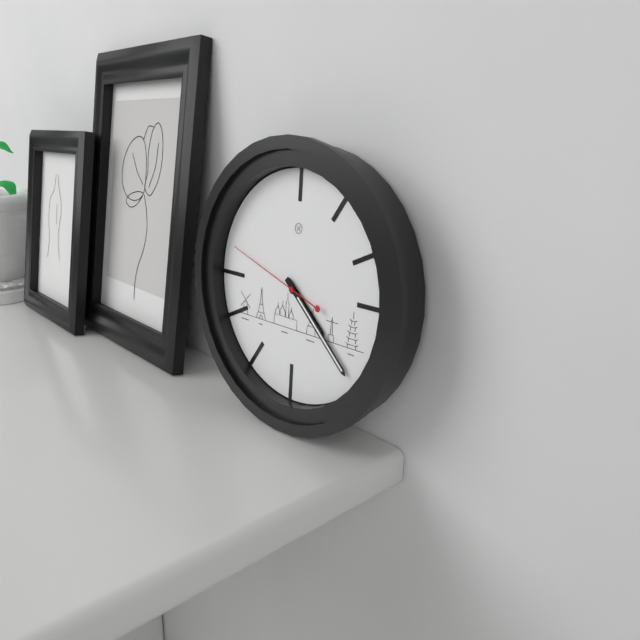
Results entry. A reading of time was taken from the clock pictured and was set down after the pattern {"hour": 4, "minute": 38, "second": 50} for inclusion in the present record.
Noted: {"hour": 4, "minute": 22, "second": 48}
